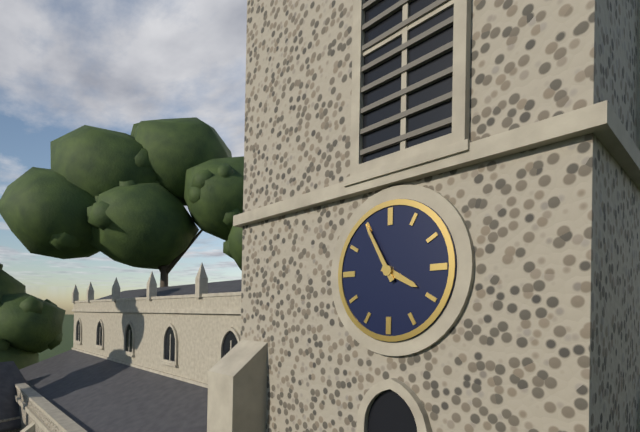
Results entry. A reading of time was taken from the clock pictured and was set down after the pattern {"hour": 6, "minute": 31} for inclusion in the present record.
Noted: {"hour": 3, "minute": 55}
